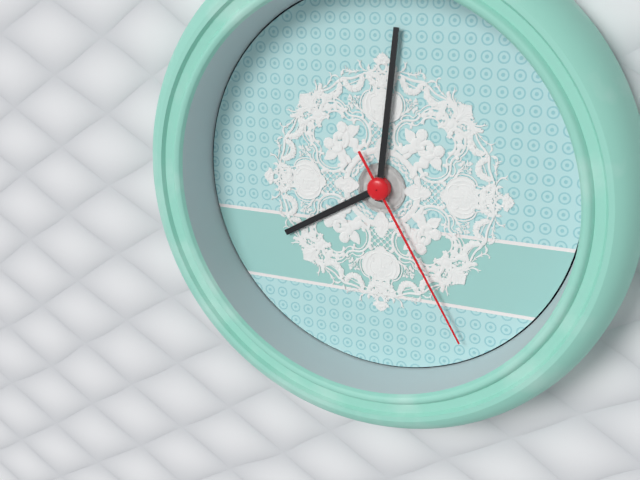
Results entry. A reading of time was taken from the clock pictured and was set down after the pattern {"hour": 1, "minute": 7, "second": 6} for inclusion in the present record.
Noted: {"hour": 8, "minute": 1, "second": 25}
